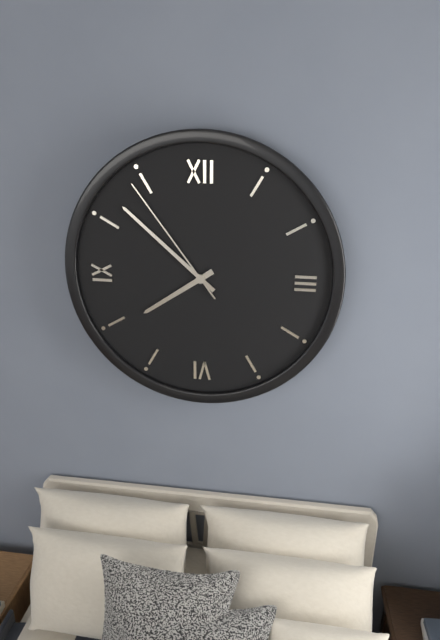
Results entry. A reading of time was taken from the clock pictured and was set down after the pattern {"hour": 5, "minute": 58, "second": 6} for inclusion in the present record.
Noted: {"hour": 7, "minute": 52, "second": 54}
